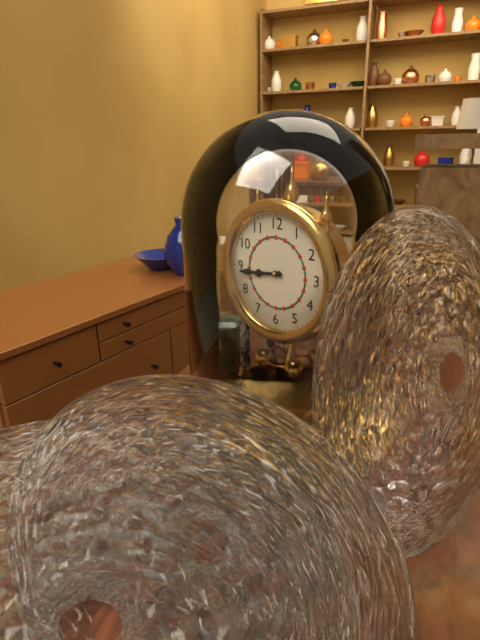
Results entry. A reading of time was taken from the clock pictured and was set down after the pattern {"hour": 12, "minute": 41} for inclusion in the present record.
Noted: {"hour": 8, "minute": 44}
